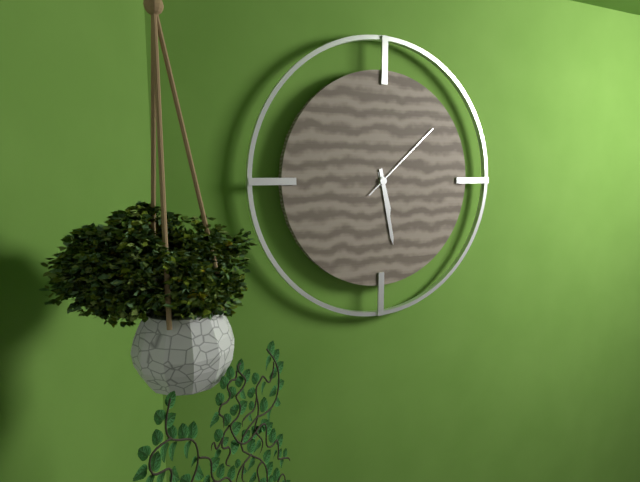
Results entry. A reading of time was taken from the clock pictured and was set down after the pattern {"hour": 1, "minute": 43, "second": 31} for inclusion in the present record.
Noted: {"hour": 5, "minute": 28, "second": 8}
